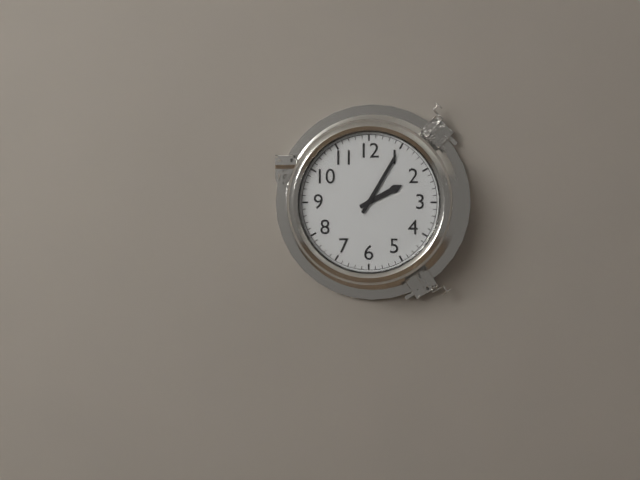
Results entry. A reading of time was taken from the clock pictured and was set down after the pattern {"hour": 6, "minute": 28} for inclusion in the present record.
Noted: {"hour": 2, "minute": 5}
